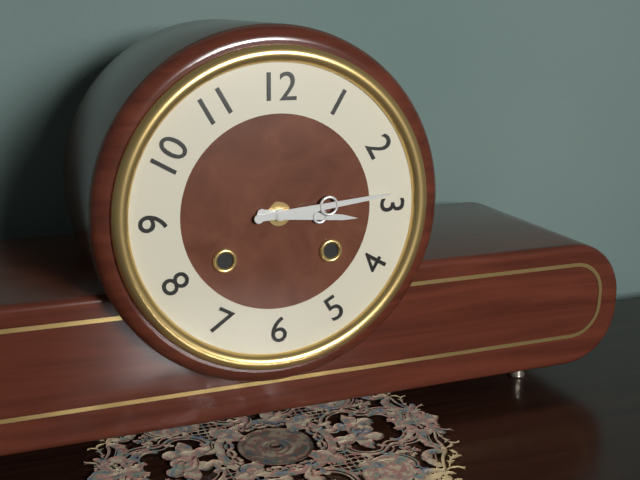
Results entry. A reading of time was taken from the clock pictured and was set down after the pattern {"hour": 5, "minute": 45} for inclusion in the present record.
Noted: {"hour": 3, "minute": 14}
